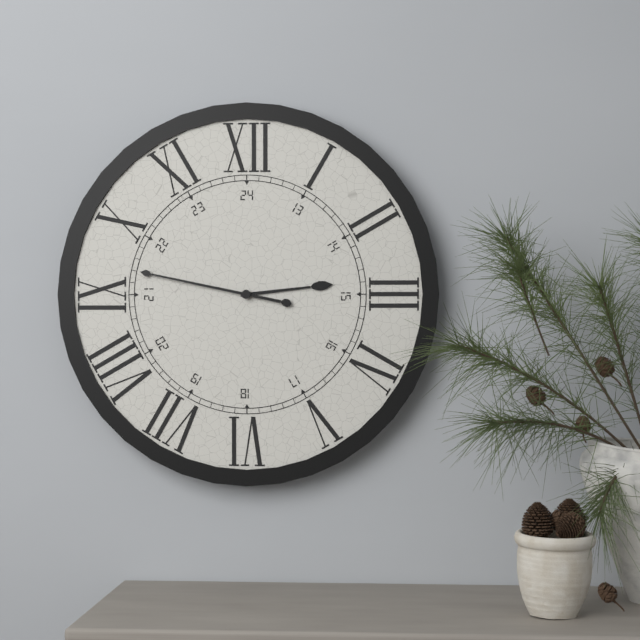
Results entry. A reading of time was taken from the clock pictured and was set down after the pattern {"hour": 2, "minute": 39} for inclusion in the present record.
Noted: {"hour": 2, "minute": 47}
